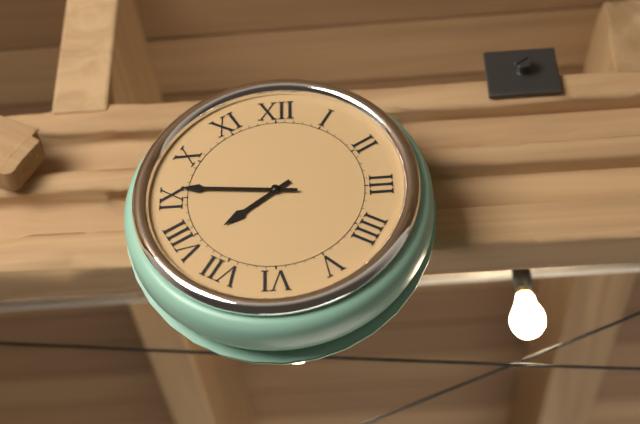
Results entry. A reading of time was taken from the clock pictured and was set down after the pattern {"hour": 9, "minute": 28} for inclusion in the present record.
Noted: {"hour": 7, "minute": 46}
